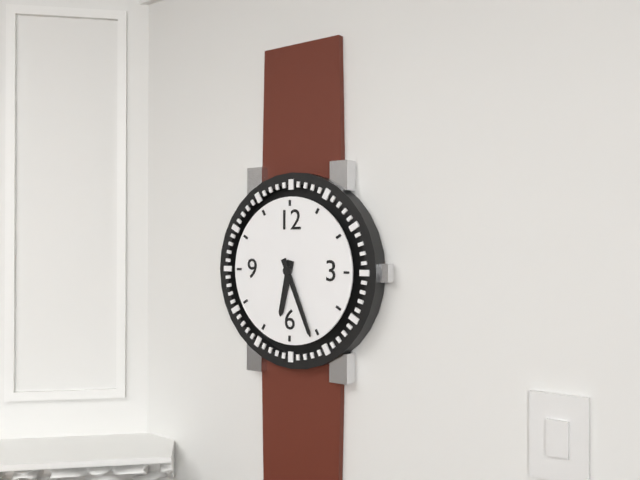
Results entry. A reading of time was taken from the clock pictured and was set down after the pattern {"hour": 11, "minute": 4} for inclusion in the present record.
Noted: {"hour": 6, "minute": 26}
